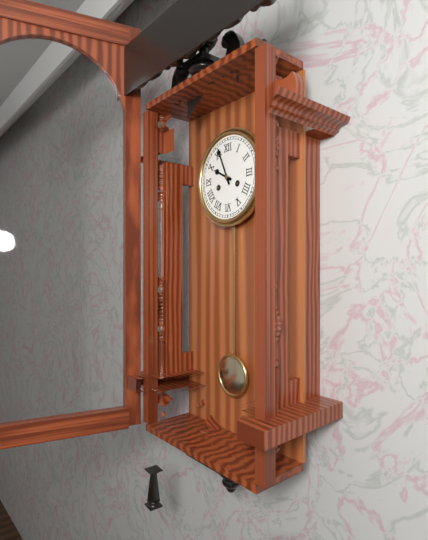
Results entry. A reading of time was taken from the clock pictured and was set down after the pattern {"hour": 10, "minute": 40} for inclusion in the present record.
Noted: {"hour": 9, "minute": 56}
